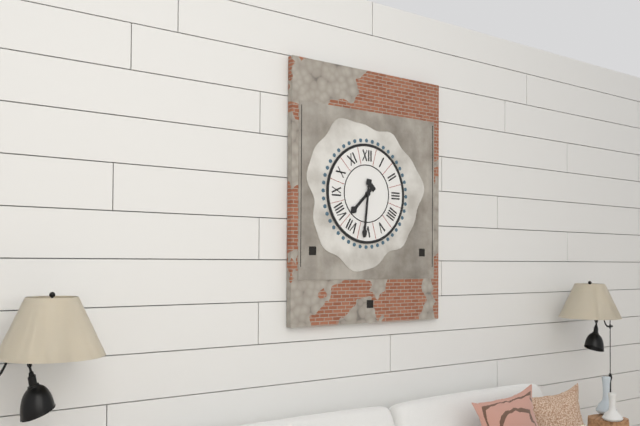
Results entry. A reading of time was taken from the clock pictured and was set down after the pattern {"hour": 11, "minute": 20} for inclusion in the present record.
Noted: {"hour": 7, "minute": 31}
